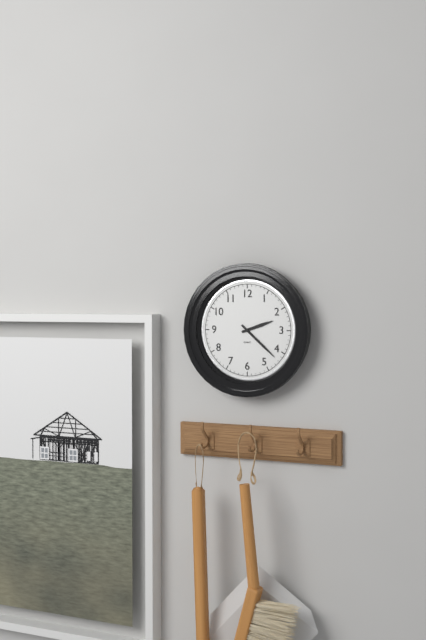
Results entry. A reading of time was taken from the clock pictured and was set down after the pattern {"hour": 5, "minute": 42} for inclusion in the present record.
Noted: {"hour": 2, "minute": 22}
